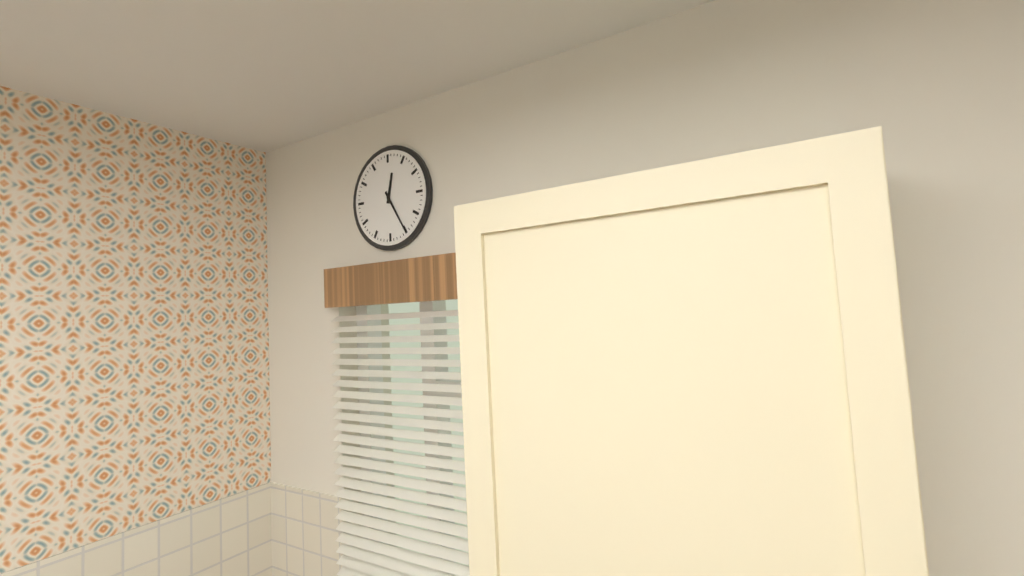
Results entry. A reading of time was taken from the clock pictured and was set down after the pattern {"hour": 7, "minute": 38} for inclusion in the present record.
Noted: {"hour": 12, "minute": 25}
